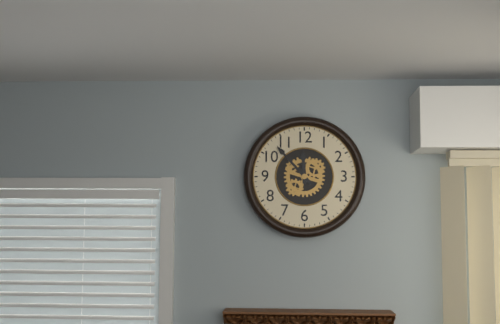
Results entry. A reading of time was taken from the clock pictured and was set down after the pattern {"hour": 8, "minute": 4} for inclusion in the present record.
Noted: {"hour": 11, "minute": 53}
